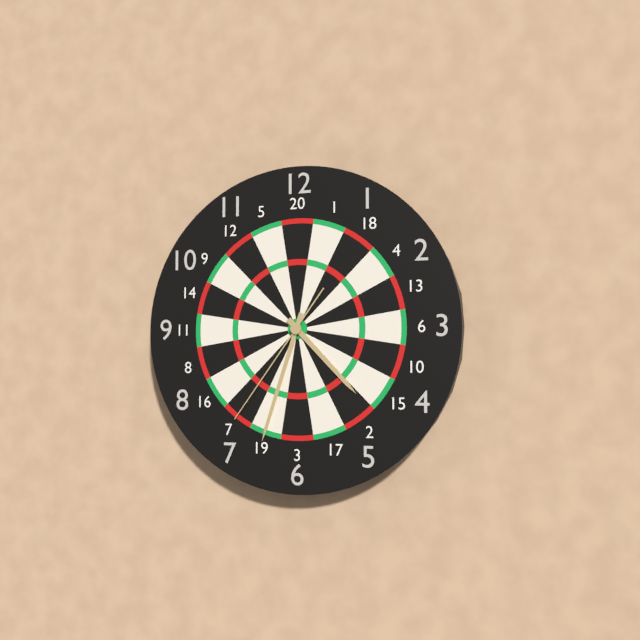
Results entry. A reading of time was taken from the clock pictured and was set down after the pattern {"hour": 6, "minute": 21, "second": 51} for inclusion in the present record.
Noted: {"hour": 4, "minute": 33, "second": 36}
